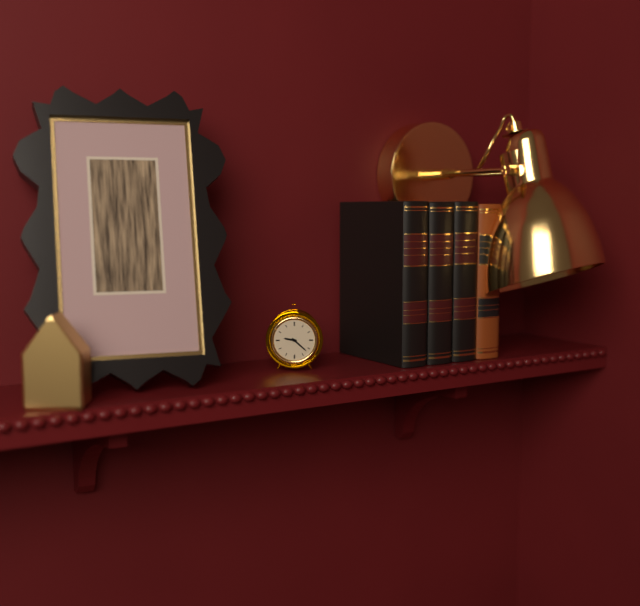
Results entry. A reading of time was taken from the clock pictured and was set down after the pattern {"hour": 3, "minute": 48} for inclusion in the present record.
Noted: {"hour": 9, "minute": 22}
